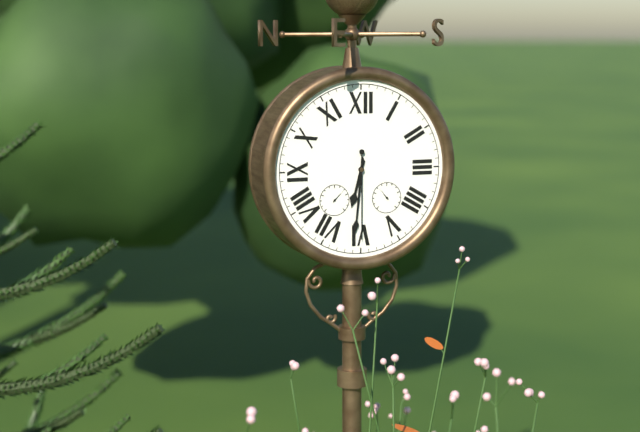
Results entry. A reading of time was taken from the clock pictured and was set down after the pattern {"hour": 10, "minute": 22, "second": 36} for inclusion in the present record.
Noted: {"hour": 6, "minute": 31, "second": 30}
